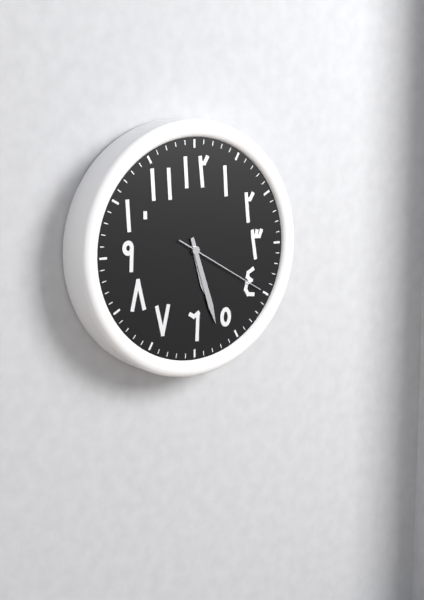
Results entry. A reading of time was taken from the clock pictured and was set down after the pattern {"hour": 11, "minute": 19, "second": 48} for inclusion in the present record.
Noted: {"hour": 5, "minute": 27, "second": 20}
